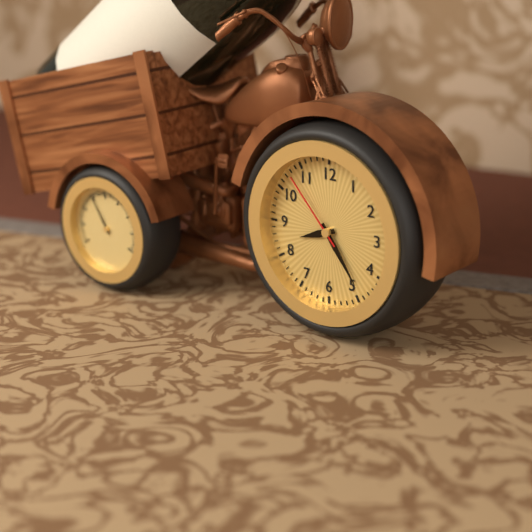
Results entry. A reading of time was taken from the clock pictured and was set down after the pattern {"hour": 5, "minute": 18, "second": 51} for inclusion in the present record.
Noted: {"hour": 8, "minute": 24, "second": 53}
